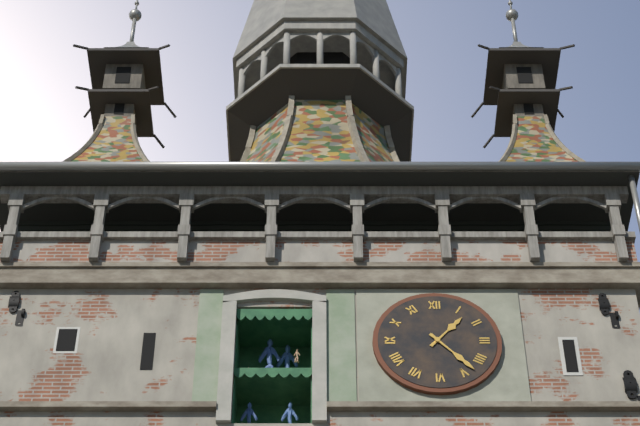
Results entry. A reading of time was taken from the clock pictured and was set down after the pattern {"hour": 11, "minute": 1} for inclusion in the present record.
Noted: {"hour": 1, "minute": 23}
